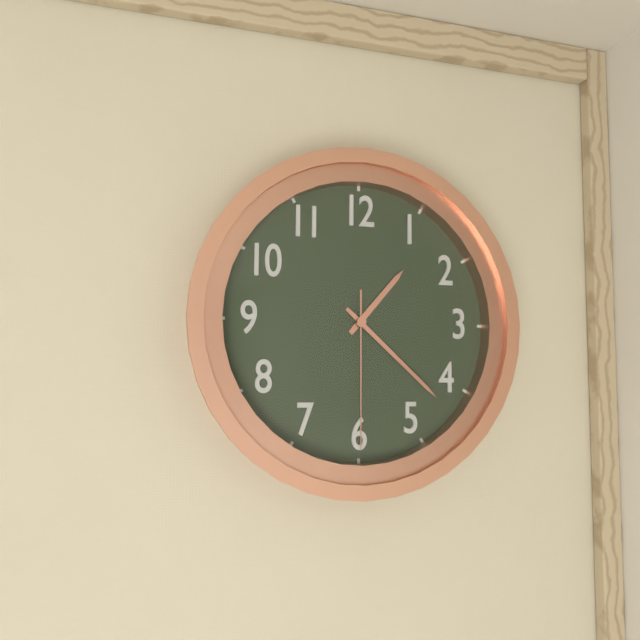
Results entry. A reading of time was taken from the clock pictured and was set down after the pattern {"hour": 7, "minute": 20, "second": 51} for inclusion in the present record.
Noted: {"hour": 1, "minute": 22, "second": 30}
